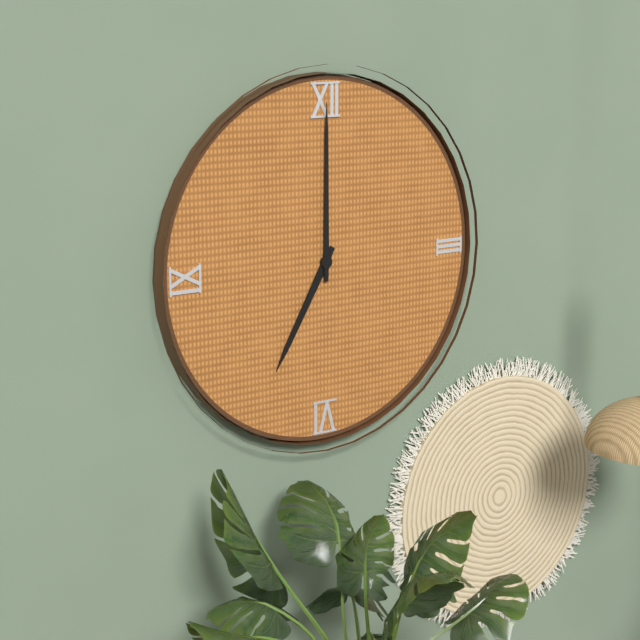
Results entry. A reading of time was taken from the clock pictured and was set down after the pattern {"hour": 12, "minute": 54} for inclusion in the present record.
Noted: {"hour": 7, "minute": 0}
